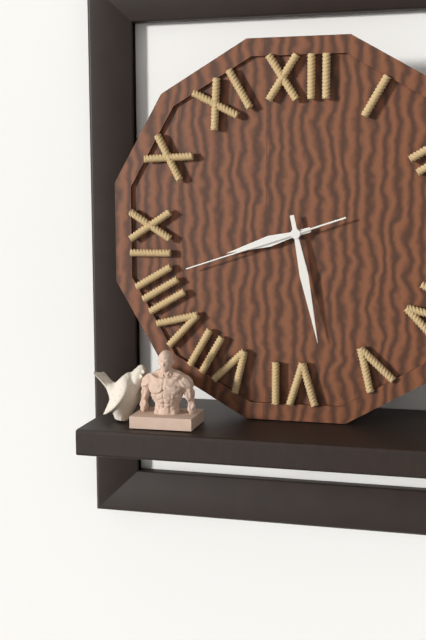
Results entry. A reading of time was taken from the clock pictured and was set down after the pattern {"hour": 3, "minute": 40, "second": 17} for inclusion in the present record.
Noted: {"hour": 8, "minute": 28, "second": 42}
